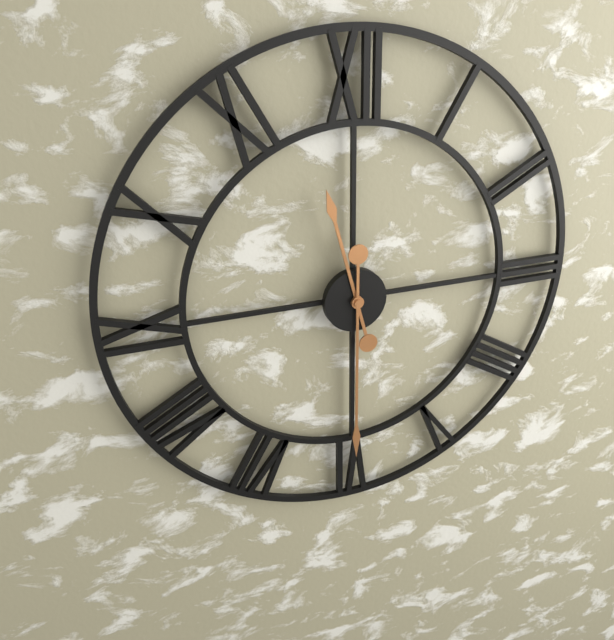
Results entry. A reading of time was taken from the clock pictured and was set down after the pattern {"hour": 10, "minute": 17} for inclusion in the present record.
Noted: {"hour": 11, "minute": 30}
